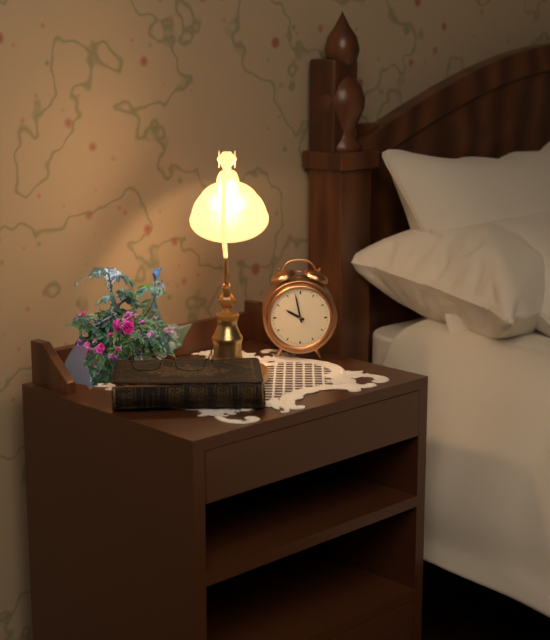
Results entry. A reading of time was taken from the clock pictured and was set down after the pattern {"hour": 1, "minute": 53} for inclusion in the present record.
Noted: {"hour": 9, "minute": 58}
